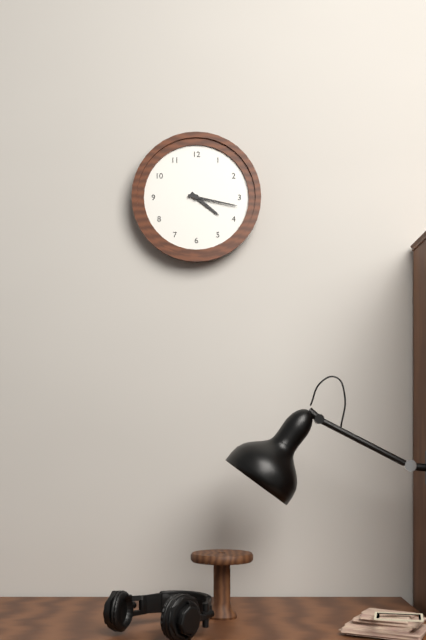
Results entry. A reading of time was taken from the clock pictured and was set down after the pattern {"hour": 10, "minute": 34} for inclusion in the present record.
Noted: {"hour": 4, "minute": 17}
